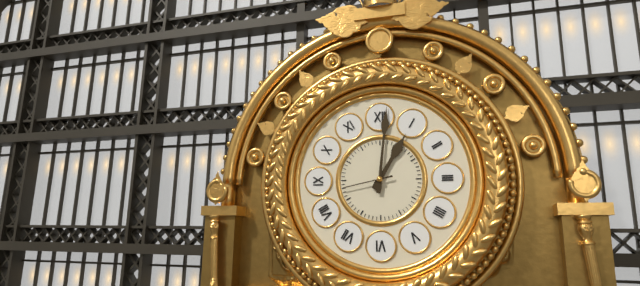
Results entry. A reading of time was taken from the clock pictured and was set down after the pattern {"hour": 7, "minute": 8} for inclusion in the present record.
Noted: {"hour": 1, "minute": 1}
